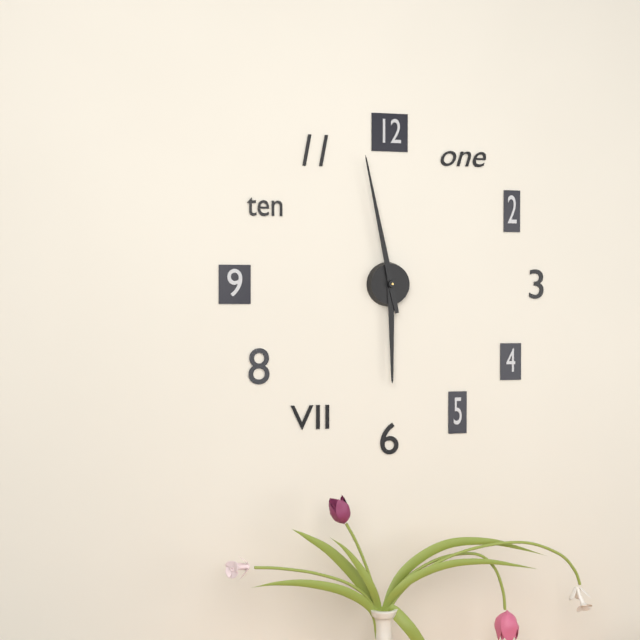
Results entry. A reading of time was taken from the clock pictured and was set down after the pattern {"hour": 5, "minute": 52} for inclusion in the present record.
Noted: {"hour": 5, "minute": 58}
